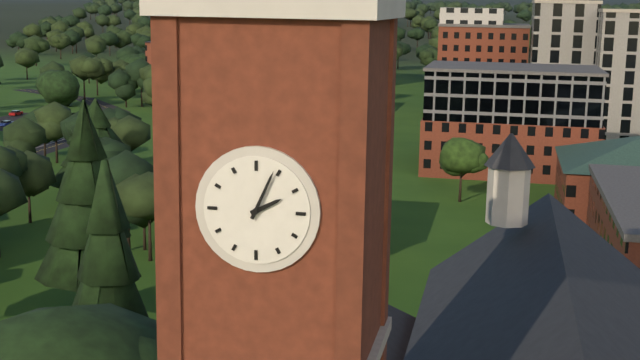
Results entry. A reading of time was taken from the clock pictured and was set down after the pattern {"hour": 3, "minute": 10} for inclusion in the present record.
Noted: {"hour": 2, "minute": 4}
